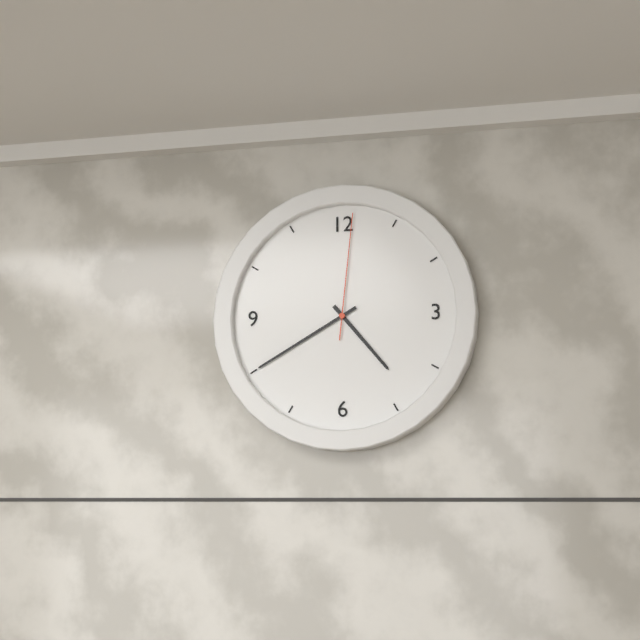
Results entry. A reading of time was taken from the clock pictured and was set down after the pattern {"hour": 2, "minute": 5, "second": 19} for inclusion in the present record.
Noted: {"hour": 4, "minute": 40, "second": 1}
